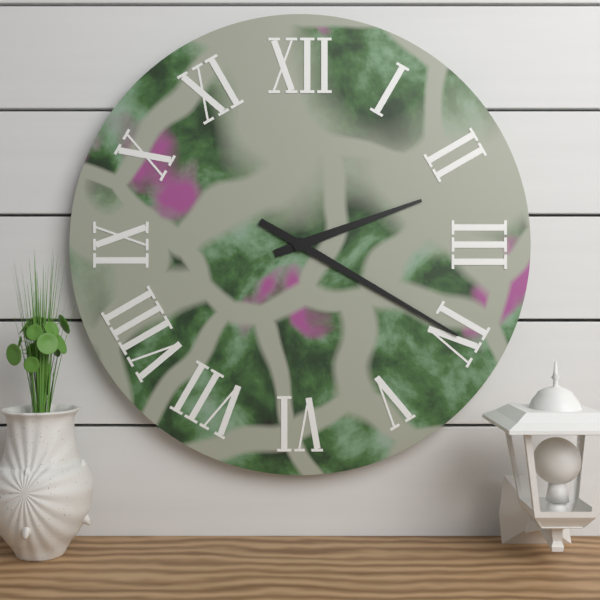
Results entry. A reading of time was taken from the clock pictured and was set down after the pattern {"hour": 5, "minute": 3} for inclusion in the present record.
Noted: {"hour": 2, "minute": 20}
